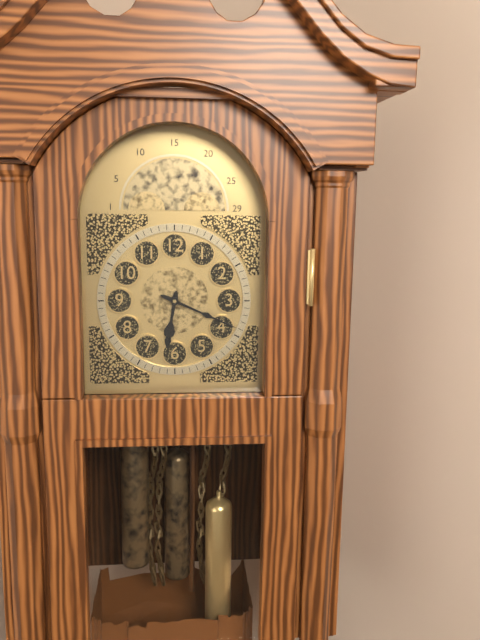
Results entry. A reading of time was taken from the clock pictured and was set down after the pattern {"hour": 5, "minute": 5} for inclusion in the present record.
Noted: {"hour": 6, "minute": 19}
